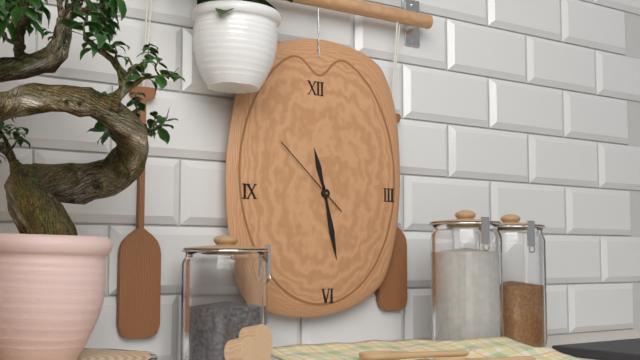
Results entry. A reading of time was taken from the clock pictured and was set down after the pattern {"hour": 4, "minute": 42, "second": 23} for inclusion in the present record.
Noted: {"hour": 11, "minute": 28, "second": 52}
